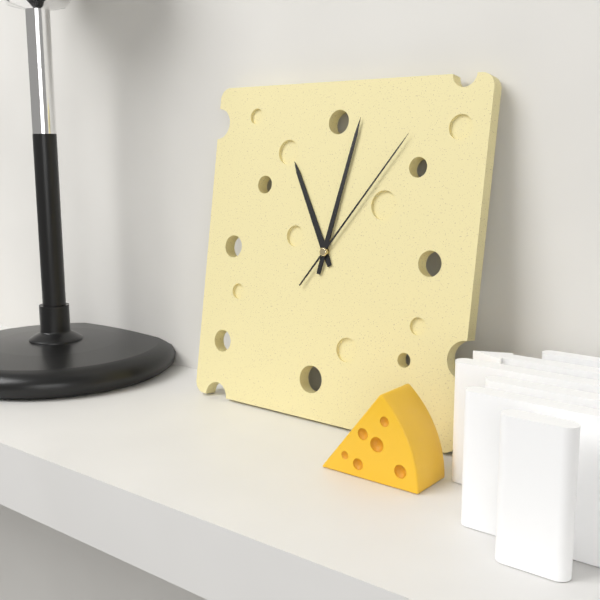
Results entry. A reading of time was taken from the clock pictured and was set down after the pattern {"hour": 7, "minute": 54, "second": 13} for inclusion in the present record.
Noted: {"hour": 11, "minute": 2, "second": 6}
